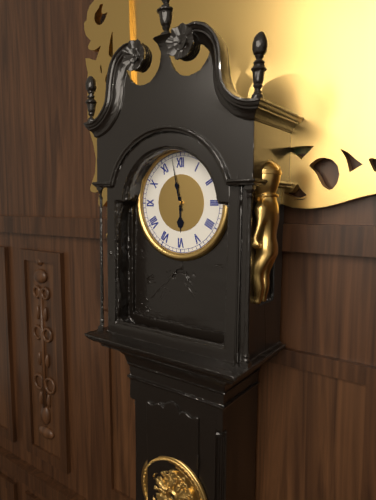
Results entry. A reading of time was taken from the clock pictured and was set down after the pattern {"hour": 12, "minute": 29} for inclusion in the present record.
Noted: {"hour": 5, "minute": 58}
